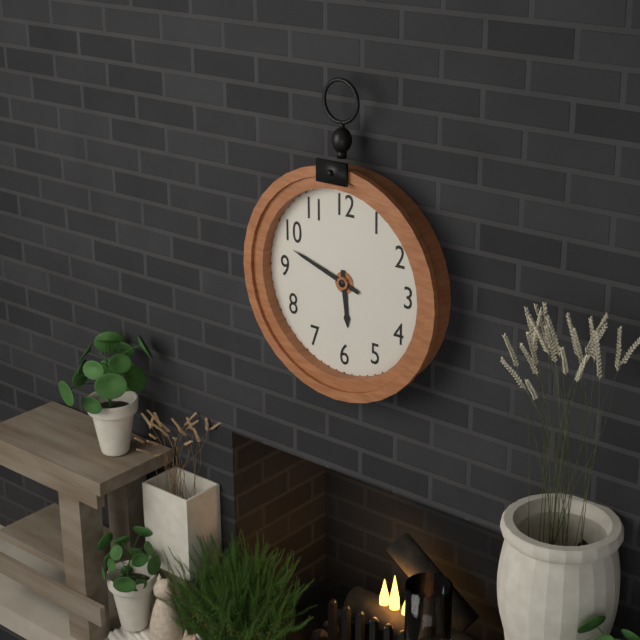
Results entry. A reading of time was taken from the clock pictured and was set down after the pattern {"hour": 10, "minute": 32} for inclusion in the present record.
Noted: {"hour": 5, "minute": 48}
